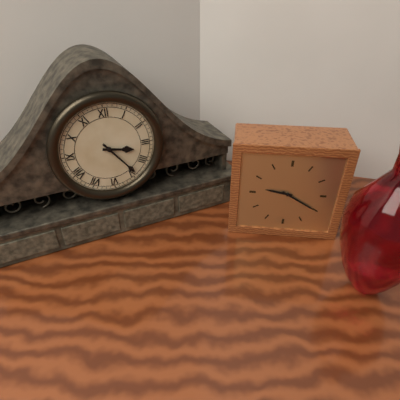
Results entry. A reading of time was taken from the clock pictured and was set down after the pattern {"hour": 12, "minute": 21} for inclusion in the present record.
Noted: {"hour": 3, "minute": 24}
